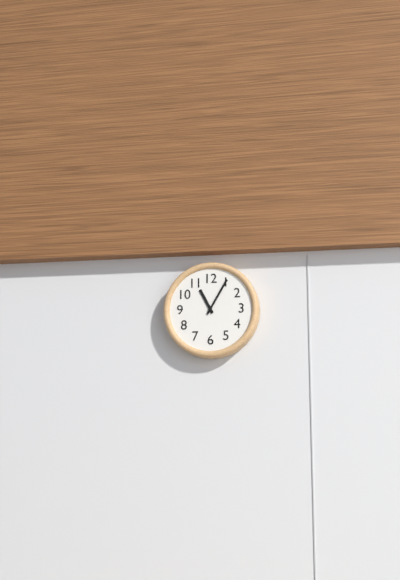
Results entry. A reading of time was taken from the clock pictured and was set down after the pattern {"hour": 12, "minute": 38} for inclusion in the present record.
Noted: {"hour": 11, "minute": 5}
